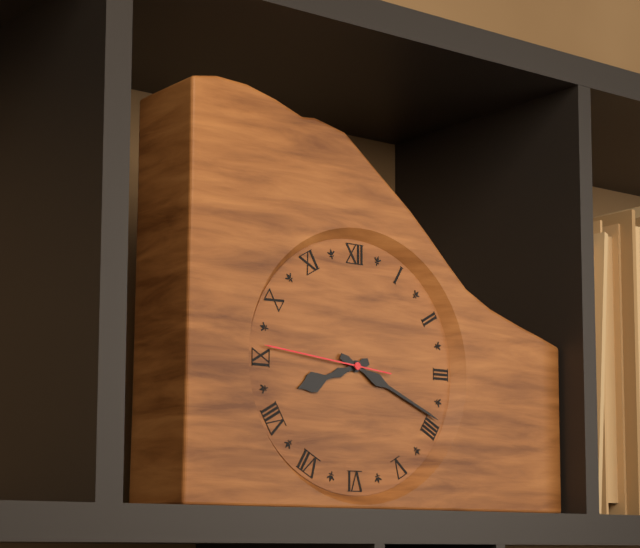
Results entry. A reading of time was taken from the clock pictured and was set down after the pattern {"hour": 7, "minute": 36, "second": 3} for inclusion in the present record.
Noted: {"hour": 8, "minute": 19, "second": 46}
